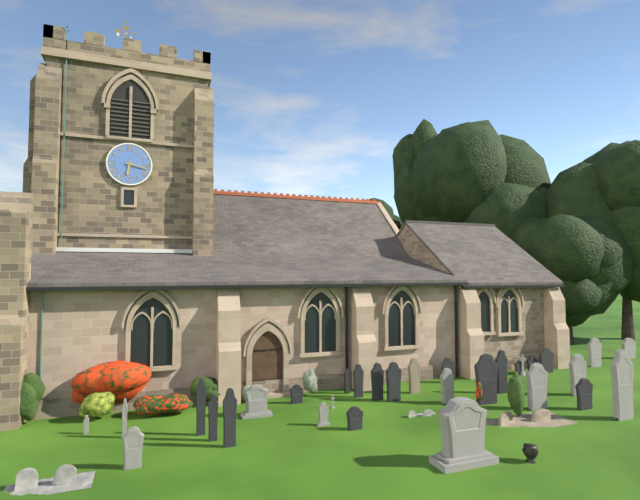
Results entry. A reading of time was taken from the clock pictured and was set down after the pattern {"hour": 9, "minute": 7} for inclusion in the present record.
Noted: {"hour": 6, "minute": 17}
